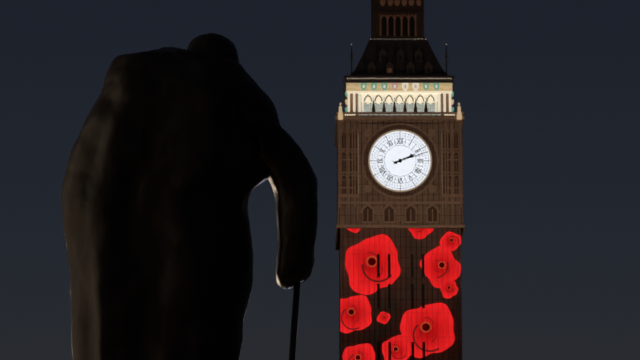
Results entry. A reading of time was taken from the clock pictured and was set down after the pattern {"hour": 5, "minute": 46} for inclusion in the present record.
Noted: {"hour": 2, "minute": 12}
